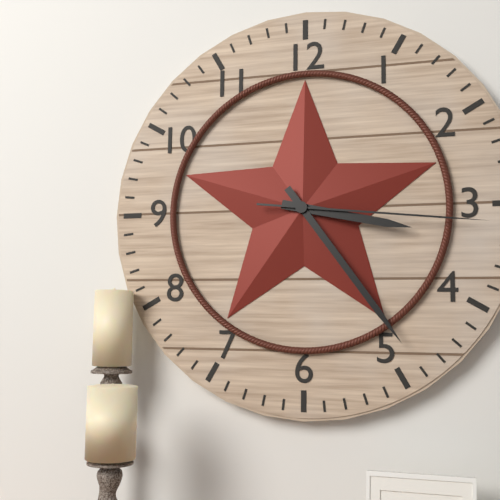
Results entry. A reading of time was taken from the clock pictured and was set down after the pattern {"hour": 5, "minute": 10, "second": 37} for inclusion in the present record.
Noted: {"hour": 3, "minute": 24, "second": 16}
